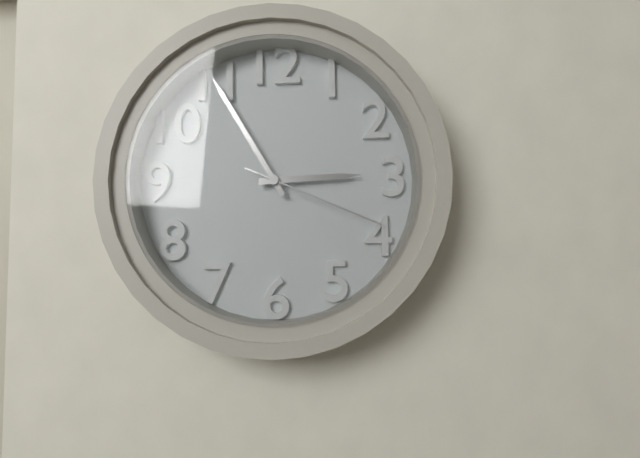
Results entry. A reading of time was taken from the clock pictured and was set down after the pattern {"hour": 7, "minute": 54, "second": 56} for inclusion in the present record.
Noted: {"hour": 2, "minute": 55, "second": 19}
